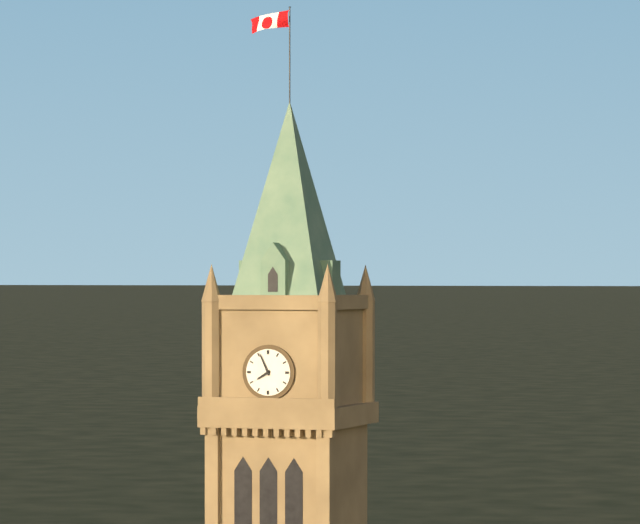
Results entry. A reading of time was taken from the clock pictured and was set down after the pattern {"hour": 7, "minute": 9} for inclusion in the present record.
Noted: {"hour": 7, "minute": 56}
